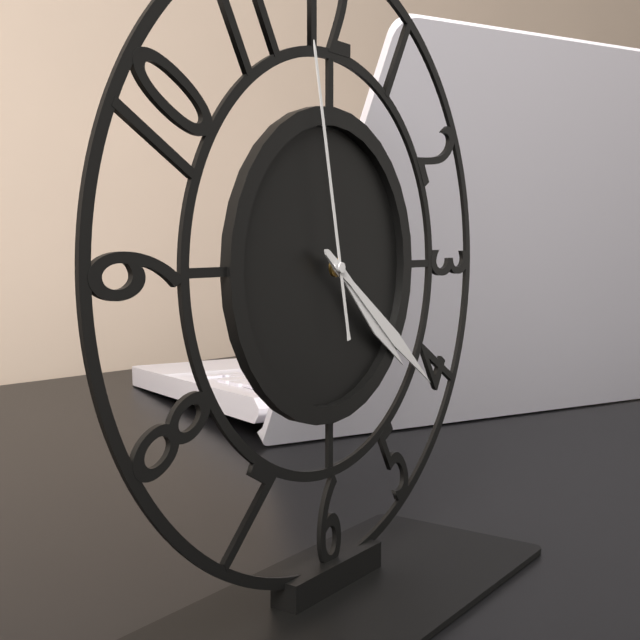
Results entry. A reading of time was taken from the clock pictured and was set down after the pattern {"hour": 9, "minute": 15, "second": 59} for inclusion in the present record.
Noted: {"hour": 4, "minute": 21, "second": 58}
